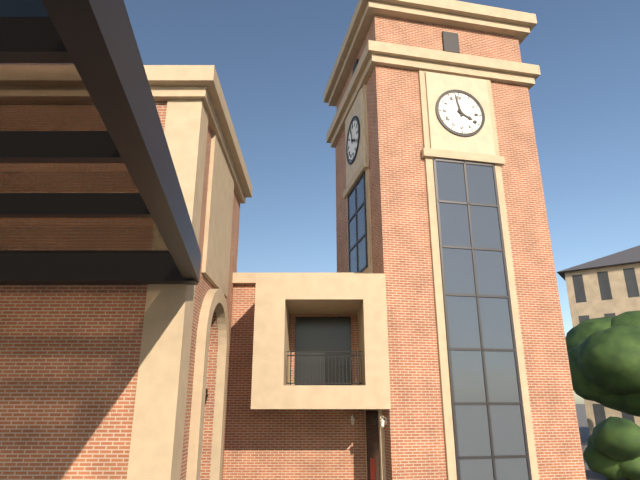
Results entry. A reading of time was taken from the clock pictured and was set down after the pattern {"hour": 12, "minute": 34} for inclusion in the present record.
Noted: {"hour": 3, "minute": 58}
